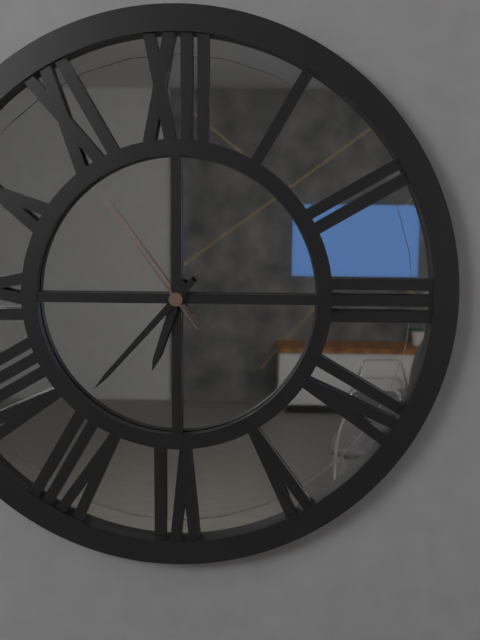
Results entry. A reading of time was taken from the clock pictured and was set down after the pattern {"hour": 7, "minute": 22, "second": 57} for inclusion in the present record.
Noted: {"hour": 6, "minute": 37, "second": 54}
